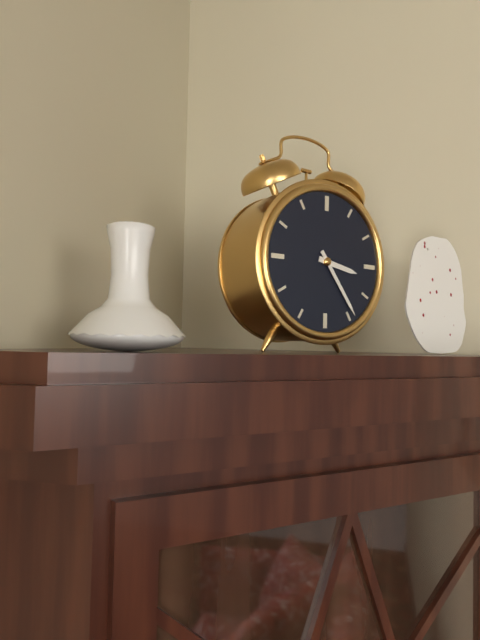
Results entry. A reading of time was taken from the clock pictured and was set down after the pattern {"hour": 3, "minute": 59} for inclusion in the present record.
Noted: {"hour": 3, "minute": 24}
